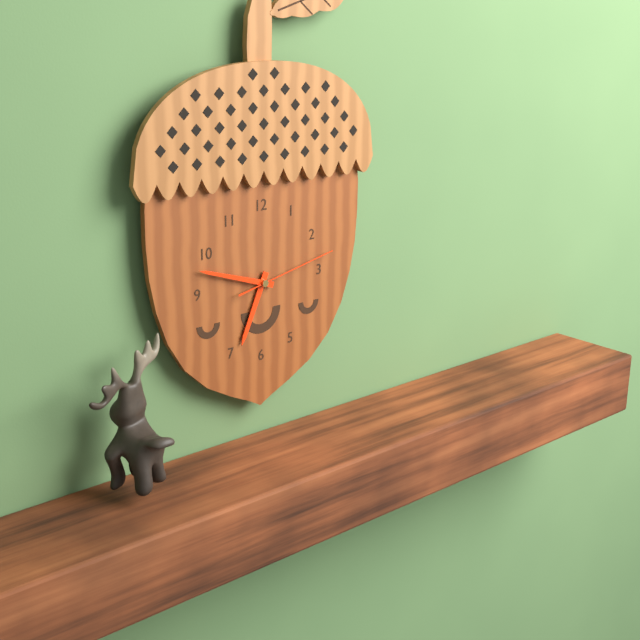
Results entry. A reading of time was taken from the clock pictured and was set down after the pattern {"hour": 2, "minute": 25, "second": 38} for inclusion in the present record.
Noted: {"hour": 6, "minute": 48, "second": 13}
